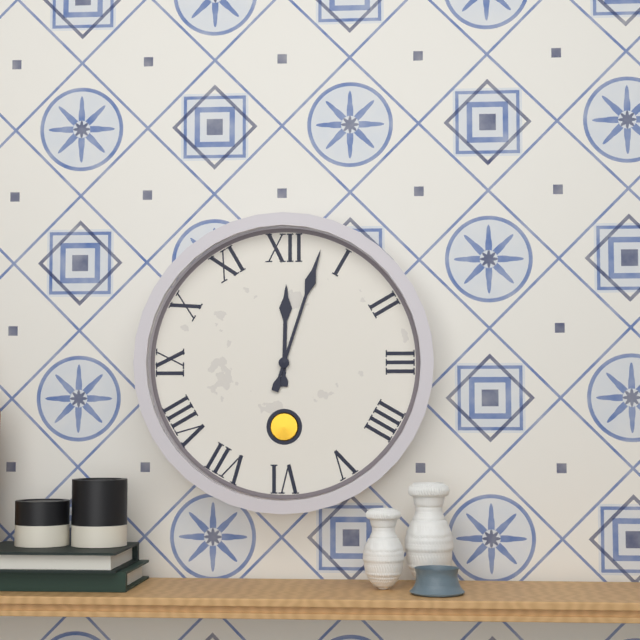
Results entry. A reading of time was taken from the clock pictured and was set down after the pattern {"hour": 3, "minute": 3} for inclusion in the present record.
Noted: {"hour": 12, "minute": 3}
